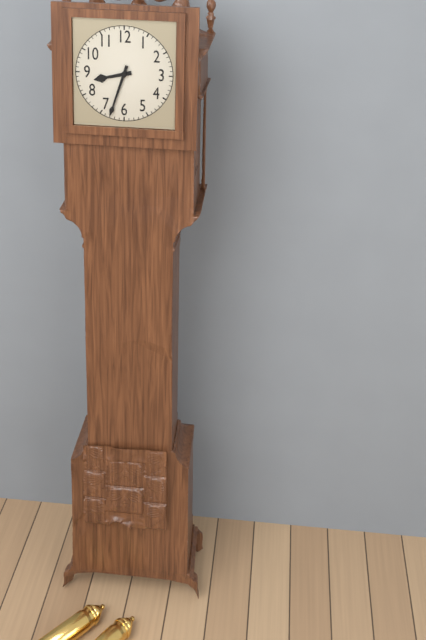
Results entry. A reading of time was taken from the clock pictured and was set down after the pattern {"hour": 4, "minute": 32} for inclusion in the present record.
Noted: {"hour": 8, "minute": 33}
